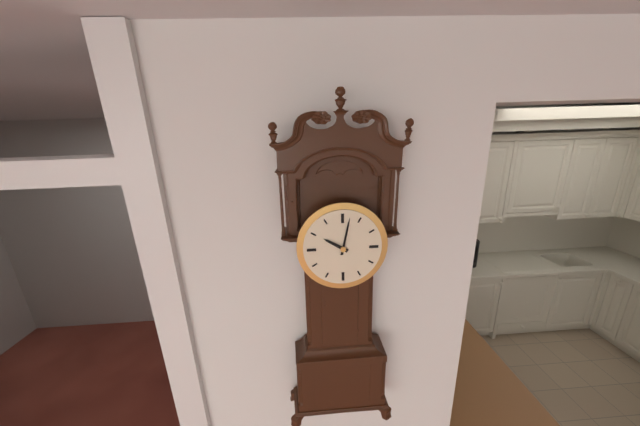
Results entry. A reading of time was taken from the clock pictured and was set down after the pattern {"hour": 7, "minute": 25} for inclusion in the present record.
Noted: {"hour": 10, "minute": 2}
